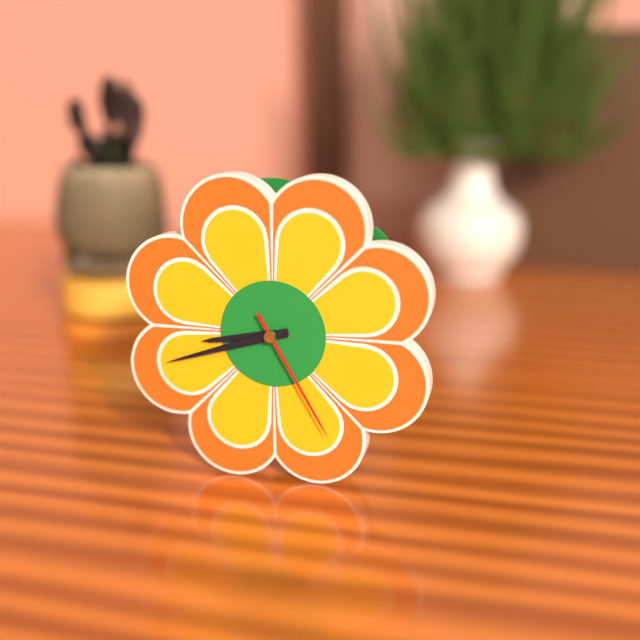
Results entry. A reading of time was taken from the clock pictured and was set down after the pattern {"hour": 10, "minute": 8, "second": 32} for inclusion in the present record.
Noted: {"hour": 8, "minute": 42, "second": 25}
